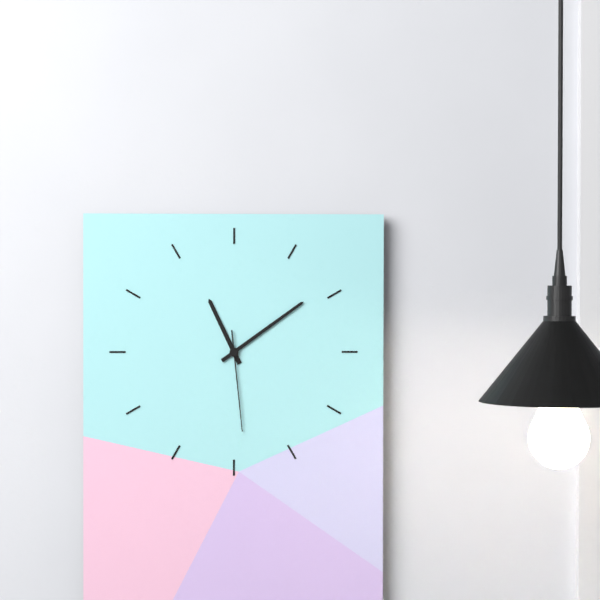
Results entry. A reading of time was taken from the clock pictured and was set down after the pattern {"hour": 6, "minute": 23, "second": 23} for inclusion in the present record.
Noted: {"hour": 11, "minute": 9, "second": 29}
